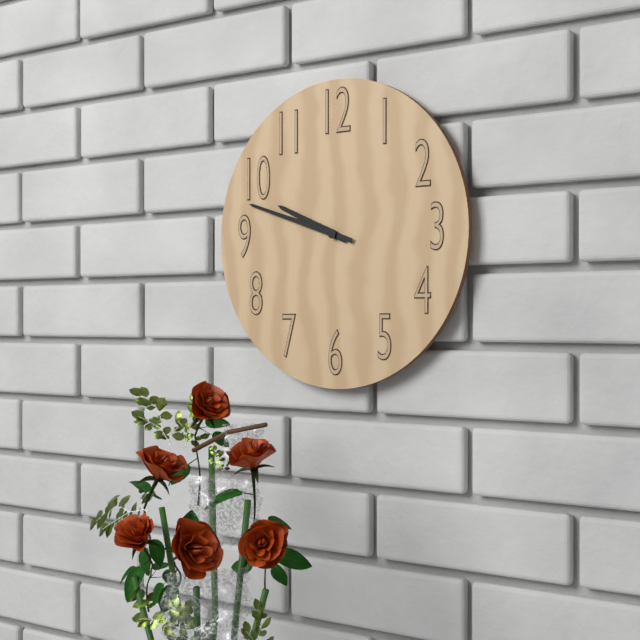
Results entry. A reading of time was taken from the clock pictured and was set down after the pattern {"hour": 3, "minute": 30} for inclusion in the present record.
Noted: {"hour": 9, "minute": 48}
